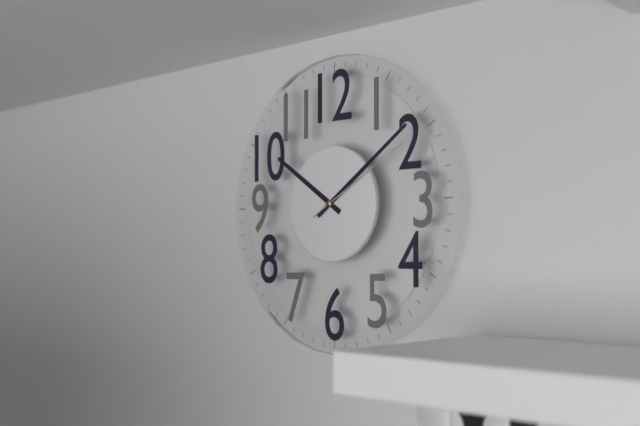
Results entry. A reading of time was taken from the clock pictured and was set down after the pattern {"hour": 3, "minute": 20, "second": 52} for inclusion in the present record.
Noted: {"hour": 10, "minute": 9, "second": 10}
